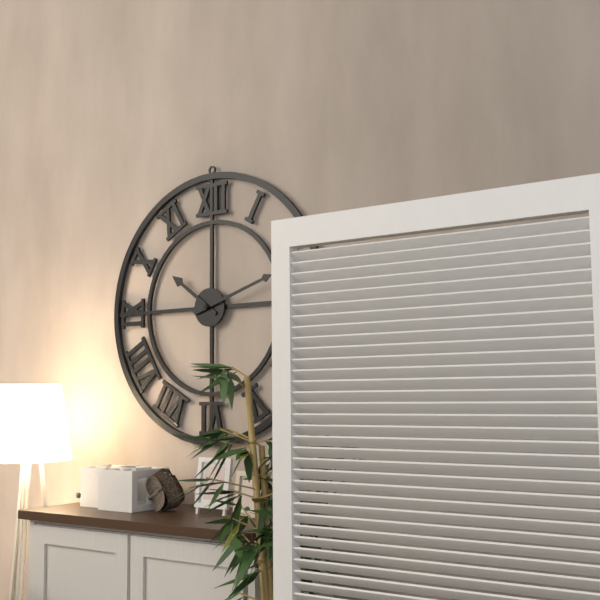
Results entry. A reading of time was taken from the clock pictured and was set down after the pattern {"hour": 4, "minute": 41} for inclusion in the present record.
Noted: {"hour": 10, "minute": 12}
